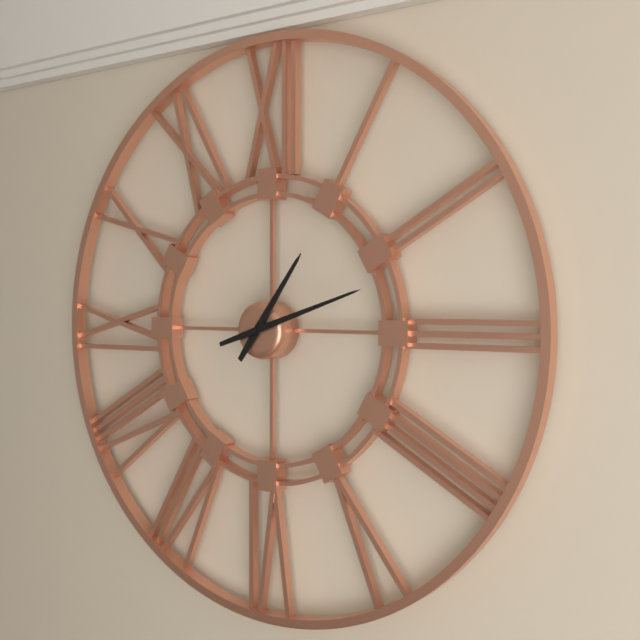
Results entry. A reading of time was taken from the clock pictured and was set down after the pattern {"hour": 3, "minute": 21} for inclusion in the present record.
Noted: {"hour": 1, "minute": 12}
